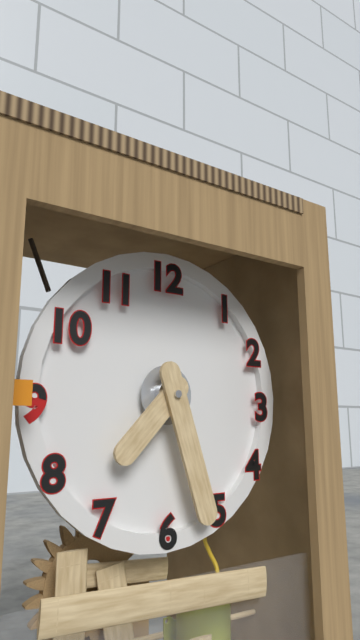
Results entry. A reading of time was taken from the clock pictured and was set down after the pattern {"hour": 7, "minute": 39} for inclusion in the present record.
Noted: {"hour": 7, "minute": 27}
